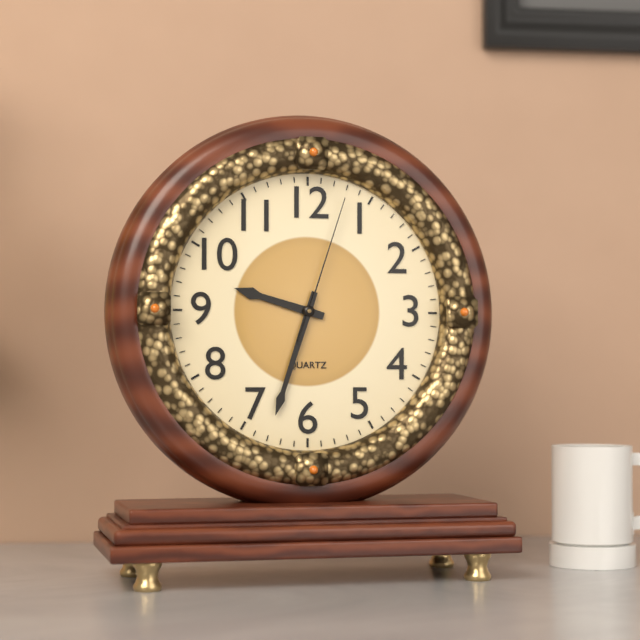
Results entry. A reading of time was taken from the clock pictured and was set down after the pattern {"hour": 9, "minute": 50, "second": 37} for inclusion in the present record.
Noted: {"hour": 9, "minute": 33, "second": 3}
